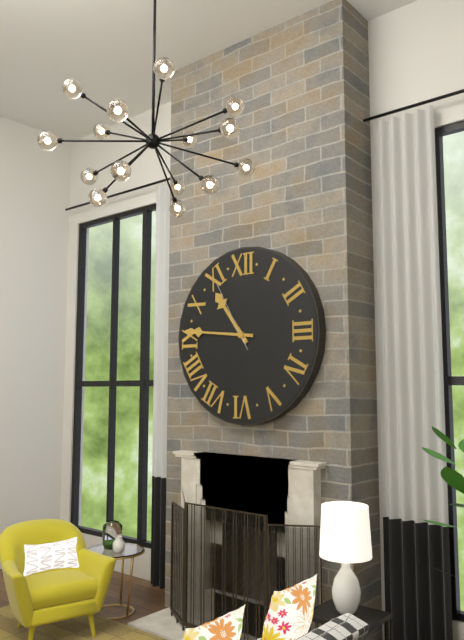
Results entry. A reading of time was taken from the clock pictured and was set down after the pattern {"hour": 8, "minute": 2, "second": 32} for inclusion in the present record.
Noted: {"hour": 10, "minute": 46, "second": 55}
